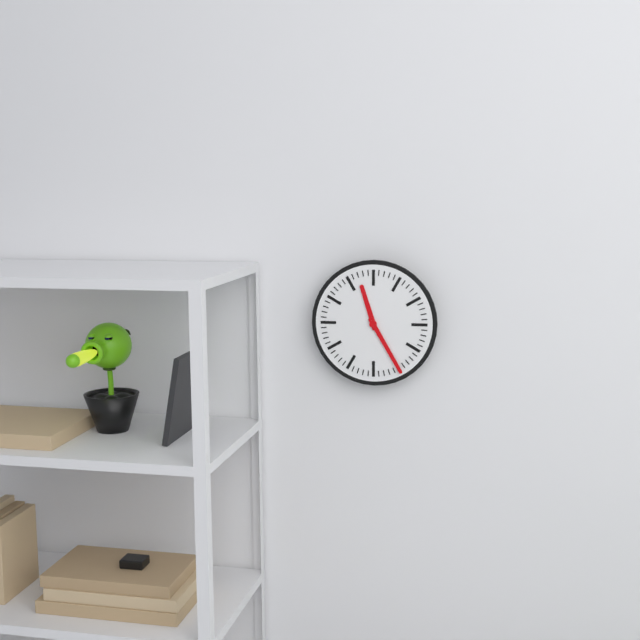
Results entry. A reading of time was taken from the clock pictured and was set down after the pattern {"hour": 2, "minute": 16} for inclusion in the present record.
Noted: {"hour": 11, "minute": 25}
